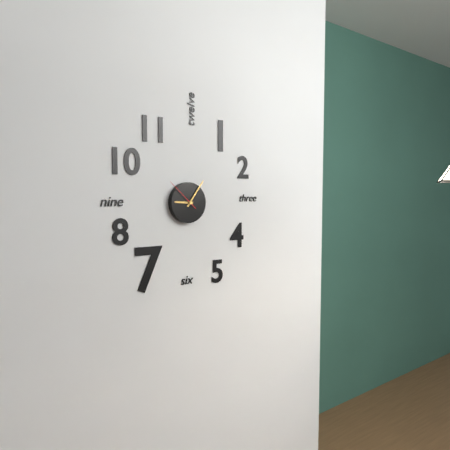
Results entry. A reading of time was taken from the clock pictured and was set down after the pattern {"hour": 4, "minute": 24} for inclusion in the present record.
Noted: {"hour": 9, "minute": 6}
